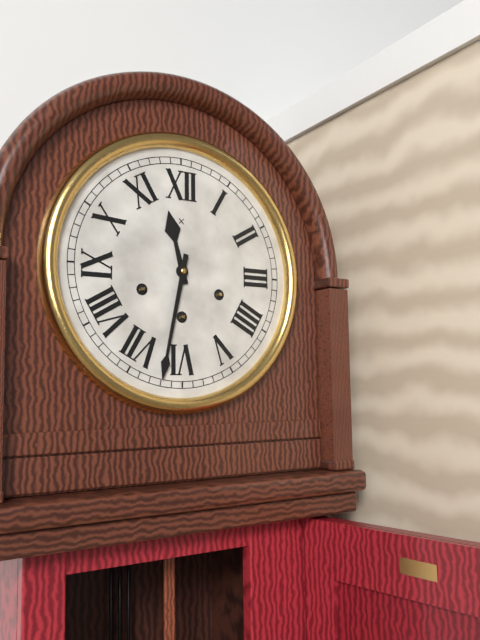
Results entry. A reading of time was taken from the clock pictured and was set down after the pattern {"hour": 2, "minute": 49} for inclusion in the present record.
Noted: {"hour": 11, "minute": 32}
